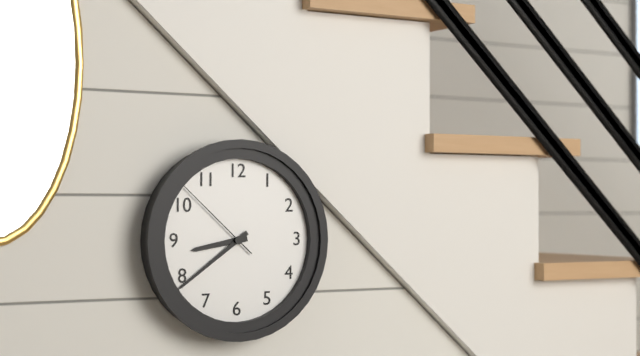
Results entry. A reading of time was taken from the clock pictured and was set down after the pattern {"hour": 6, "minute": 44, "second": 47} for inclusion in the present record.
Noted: {"hour": 8, "minute": 39, "second": 52}
